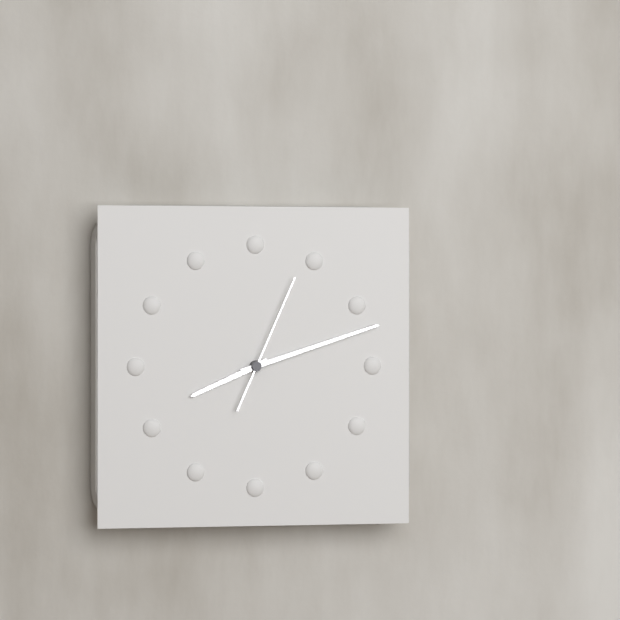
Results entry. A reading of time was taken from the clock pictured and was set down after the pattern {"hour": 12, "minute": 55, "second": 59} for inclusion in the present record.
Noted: {"hour": 8, "minute": 12, "second": 4}
